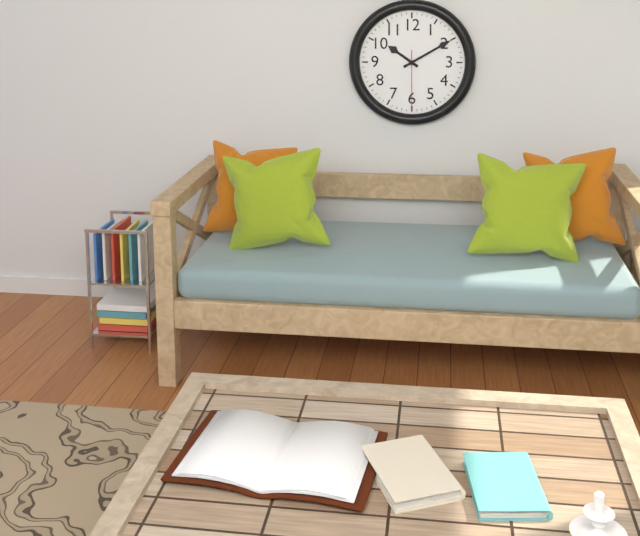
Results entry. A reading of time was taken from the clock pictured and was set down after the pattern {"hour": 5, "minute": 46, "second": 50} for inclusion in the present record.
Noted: {"hour": 10, "minute": 10, "second": 30}
